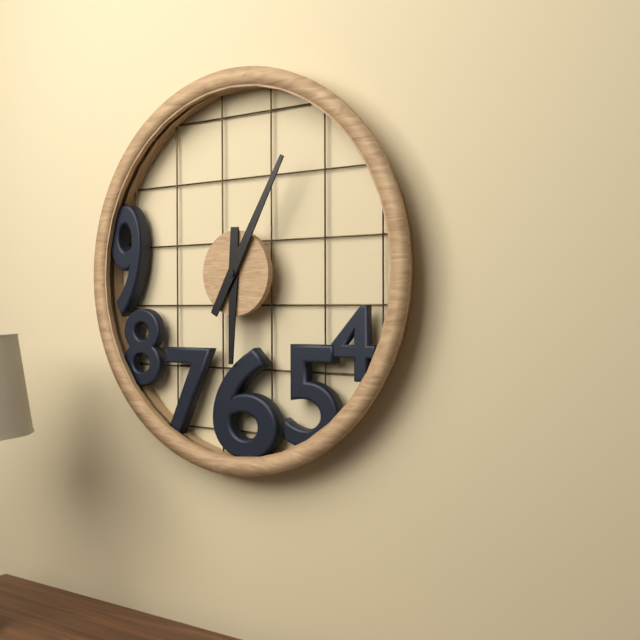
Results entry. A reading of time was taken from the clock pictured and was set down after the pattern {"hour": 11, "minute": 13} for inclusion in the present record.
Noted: {"hour": 6, "minute": 5}
